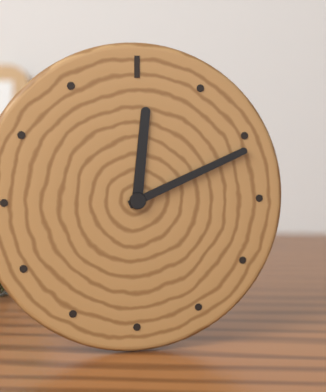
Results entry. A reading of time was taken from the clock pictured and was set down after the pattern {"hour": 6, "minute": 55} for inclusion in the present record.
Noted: {"hour": 12, "minute": 11}
